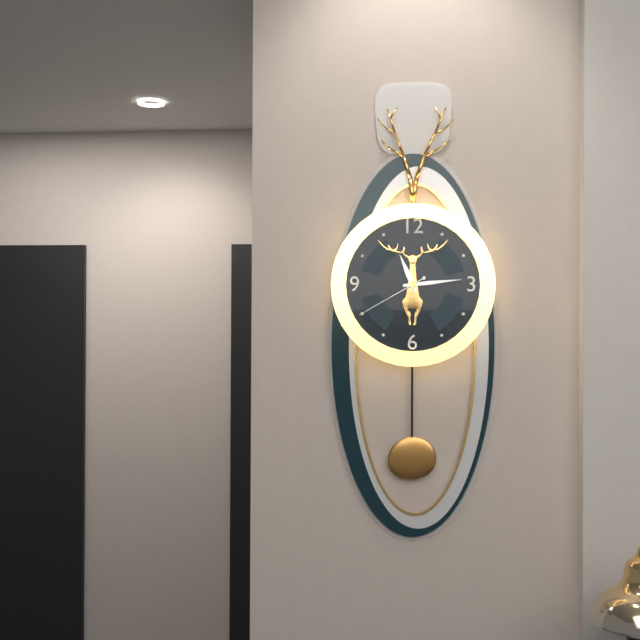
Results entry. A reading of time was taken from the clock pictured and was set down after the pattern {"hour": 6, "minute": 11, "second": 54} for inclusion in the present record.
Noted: {"hour": 11, "minute": 14, "second": 40}
